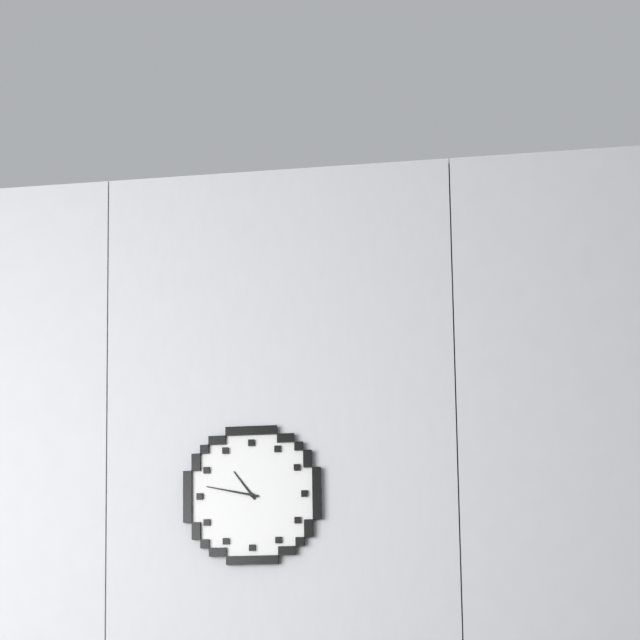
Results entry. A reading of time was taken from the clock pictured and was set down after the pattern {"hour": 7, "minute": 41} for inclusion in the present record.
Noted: {"hour": 10, "minute": 47}
